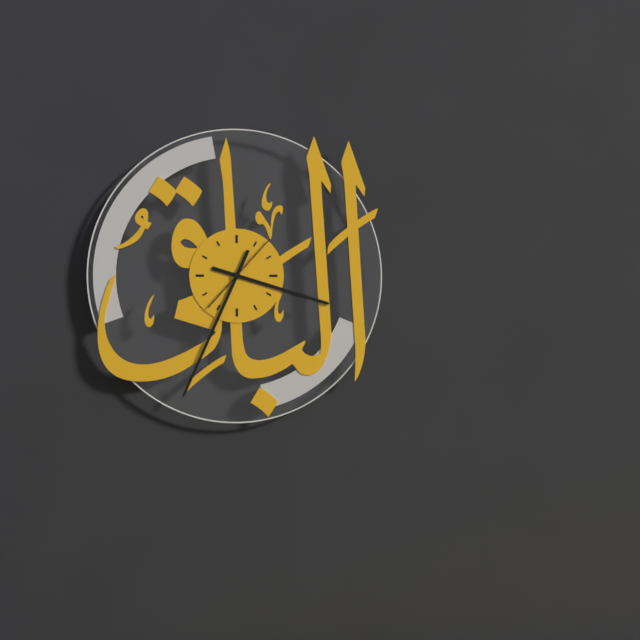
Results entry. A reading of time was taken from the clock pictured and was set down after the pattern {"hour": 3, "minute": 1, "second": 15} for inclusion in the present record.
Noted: {"hour": 3, "minute": 34, "second": 7}
